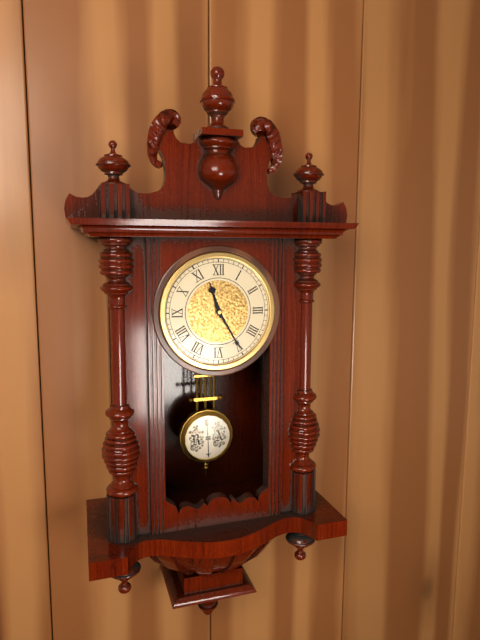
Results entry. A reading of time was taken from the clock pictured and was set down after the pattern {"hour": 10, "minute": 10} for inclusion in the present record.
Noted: {"hour": 11, "minute": 25}
